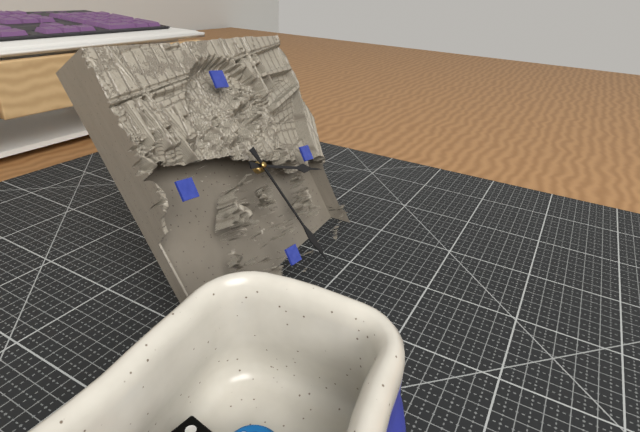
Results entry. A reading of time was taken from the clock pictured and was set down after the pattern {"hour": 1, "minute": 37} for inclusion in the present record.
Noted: {"hour": 3, "minute": 27}
